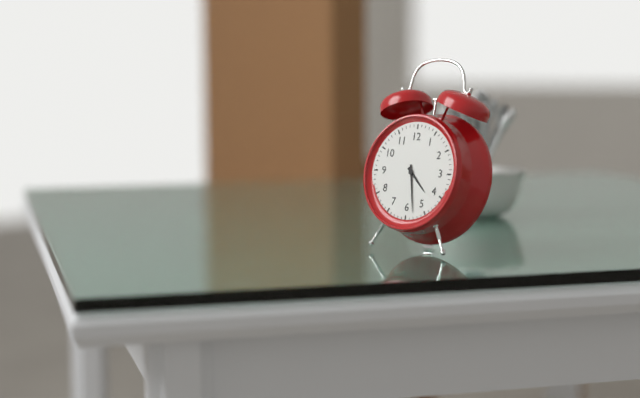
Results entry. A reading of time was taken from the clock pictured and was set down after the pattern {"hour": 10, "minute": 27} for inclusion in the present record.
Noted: {"hour": 4, "minute": 28}
